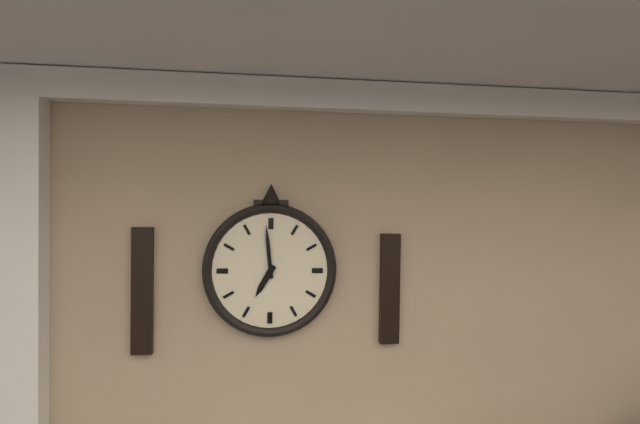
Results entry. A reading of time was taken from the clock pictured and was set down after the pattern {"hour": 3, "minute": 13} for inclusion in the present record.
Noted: {"hour": 6, "minute": 59}
